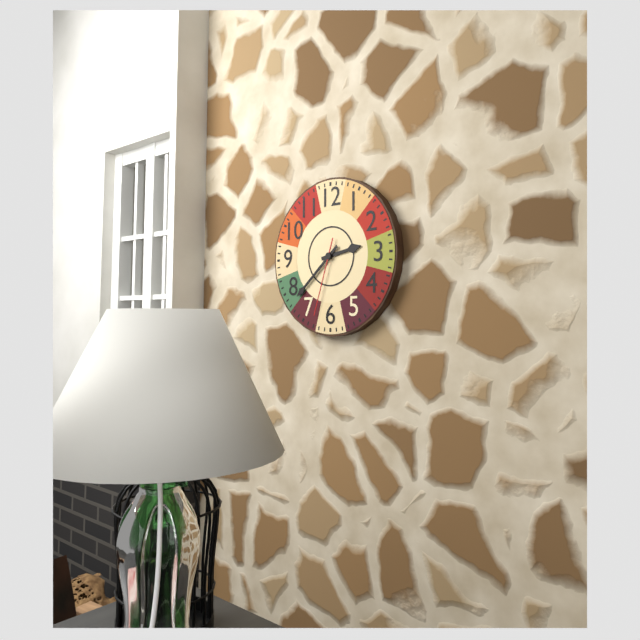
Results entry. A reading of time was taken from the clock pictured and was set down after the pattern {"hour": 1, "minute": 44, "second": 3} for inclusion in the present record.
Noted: {"hour": 2, "minute": 38, "second": 33}
